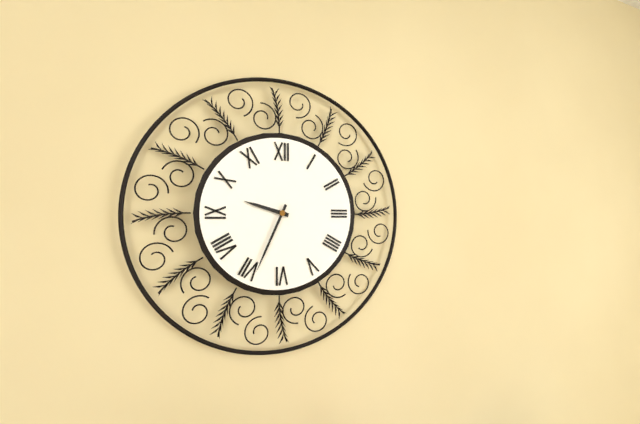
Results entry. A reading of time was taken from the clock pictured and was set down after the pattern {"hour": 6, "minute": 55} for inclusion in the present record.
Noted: {"hour": 9, "minute": 34}
